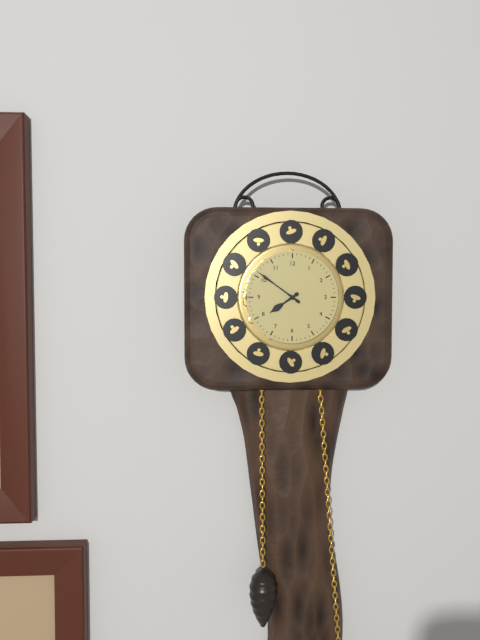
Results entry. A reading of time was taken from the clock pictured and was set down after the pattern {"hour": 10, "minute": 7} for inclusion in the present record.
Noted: {"hour": 7, "minute": 51}
